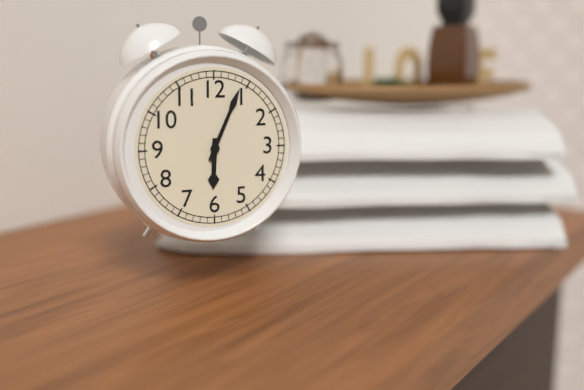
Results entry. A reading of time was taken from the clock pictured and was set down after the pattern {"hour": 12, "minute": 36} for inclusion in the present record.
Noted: {"hour": 6, "minute": 4}
